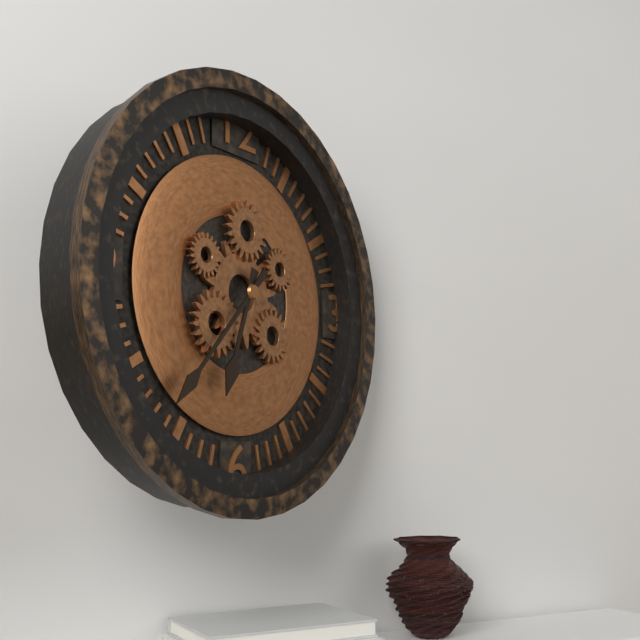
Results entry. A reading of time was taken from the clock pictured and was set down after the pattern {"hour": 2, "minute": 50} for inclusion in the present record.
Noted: {"hour": 6, "minute": 37}
